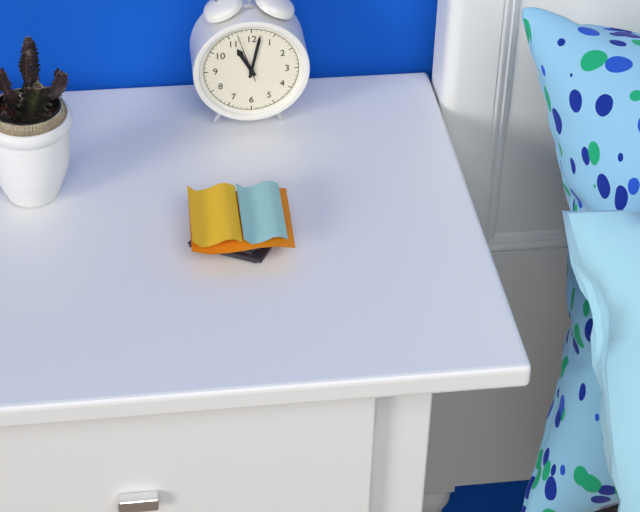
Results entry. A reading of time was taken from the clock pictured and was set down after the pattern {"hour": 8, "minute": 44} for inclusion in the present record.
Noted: {"hour": 11, "minute": 2}
